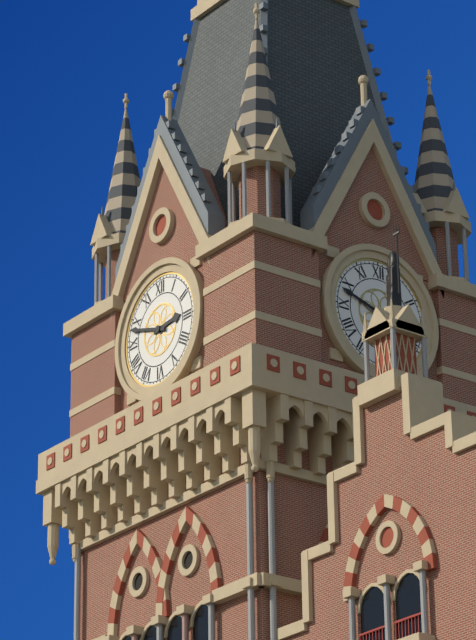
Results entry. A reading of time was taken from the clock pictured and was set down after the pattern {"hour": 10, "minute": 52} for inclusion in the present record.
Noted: {"hour": 2, "minute": 48}
